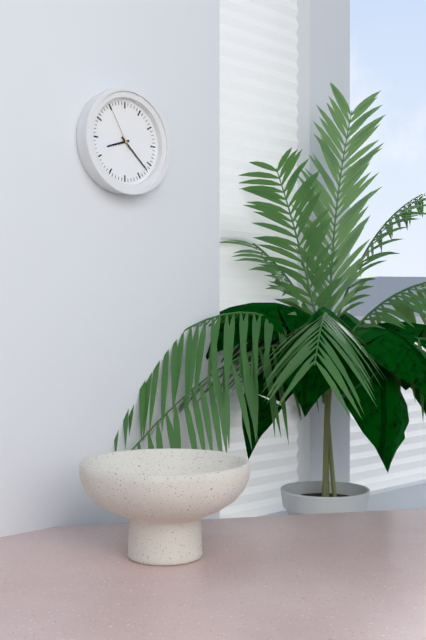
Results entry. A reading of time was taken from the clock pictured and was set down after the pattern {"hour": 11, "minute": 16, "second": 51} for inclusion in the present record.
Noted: {"hour": 8, "minute": 22, "second": 55}
